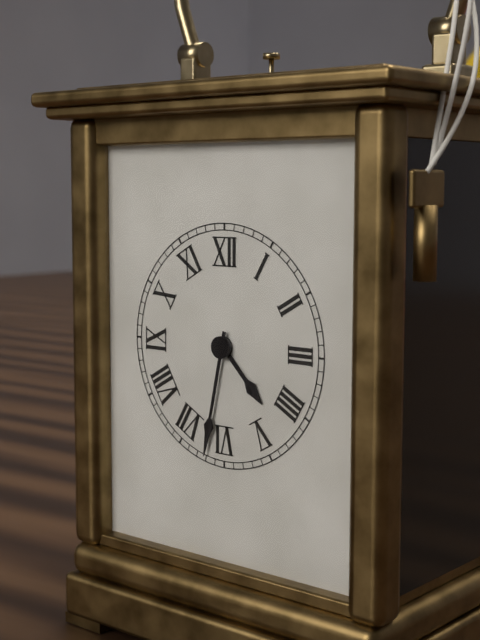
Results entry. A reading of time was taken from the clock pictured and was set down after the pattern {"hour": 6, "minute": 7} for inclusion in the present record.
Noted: {"hour": 4, "minute": 32}
